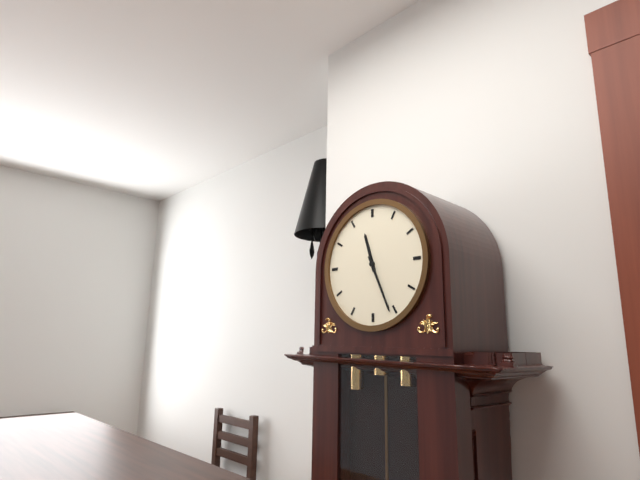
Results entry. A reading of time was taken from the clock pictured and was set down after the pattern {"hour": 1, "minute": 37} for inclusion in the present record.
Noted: {"hour": 11, "minute": 26}
